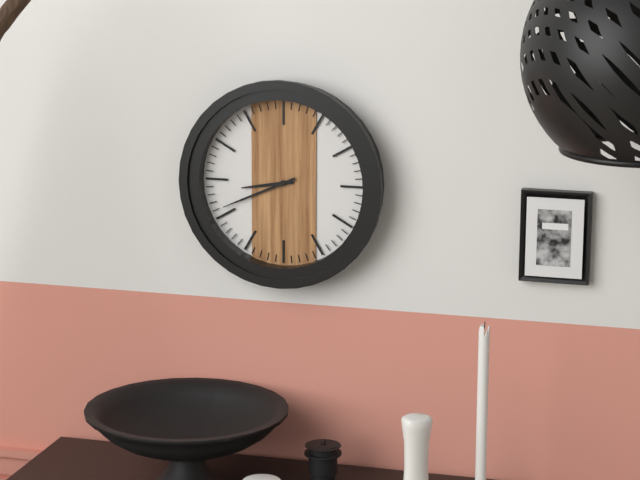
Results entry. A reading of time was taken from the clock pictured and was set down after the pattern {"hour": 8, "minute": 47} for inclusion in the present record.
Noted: {"hour": 8, "minute": 41}
